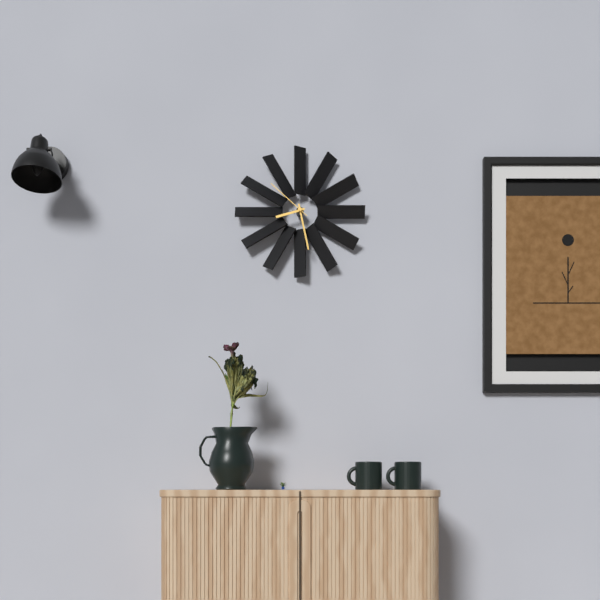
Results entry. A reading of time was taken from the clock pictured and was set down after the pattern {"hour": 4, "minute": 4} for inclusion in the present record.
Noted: {"hour": 8, "minute": 28}
